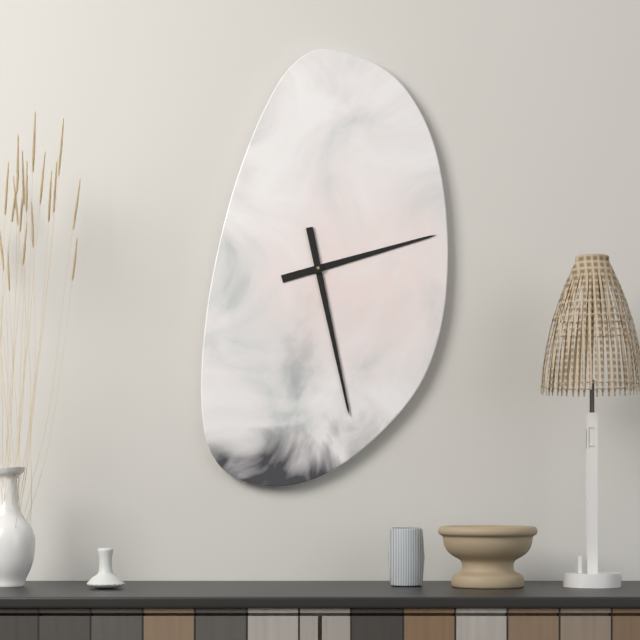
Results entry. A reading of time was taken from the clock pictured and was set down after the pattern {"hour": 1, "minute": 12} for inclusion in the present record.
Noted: {"hour": 2, "minute": 28}
